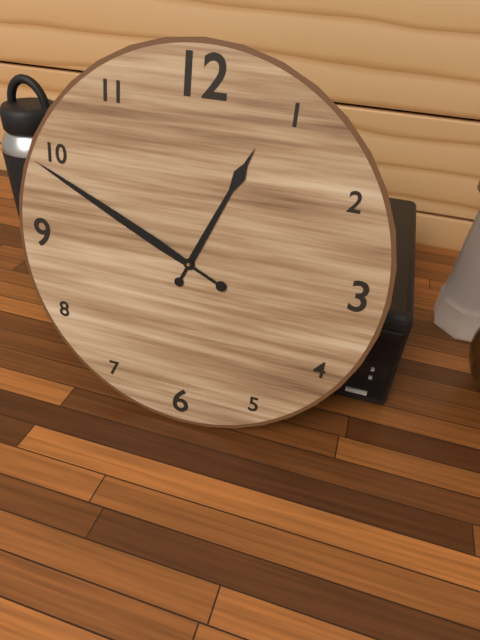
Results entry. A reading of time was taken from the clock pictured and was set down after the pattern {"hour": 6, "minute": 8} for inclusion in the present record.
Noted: {"hour": 12, "minute": 49}
